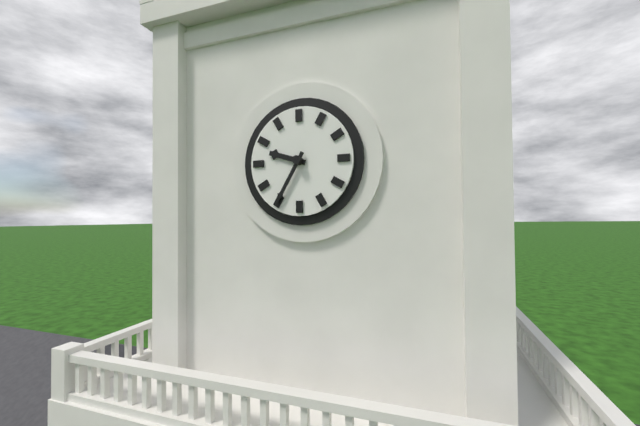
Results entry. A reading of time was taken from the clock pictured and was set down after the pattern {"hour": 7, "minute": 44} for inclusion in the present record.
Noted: {"hour": 9, "minute": 35}
